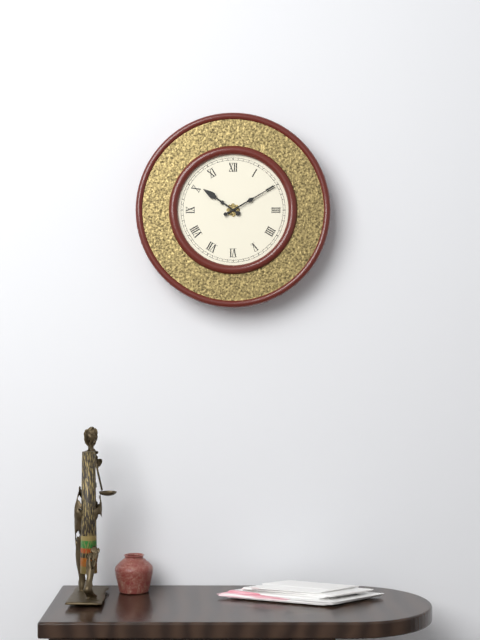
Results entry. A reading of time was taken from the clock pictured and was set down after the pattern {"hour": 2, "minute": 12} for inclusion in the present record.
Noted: {"hour": 10, "minute": 10}
